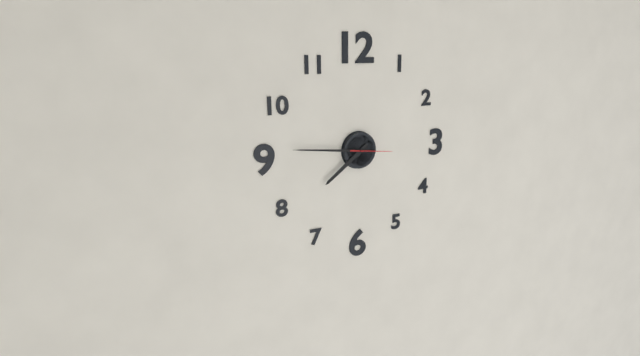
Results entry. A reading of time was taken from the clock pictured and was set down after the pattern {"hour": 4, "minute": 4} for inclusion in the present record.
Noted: {"hour": 7, "minute": 46}
